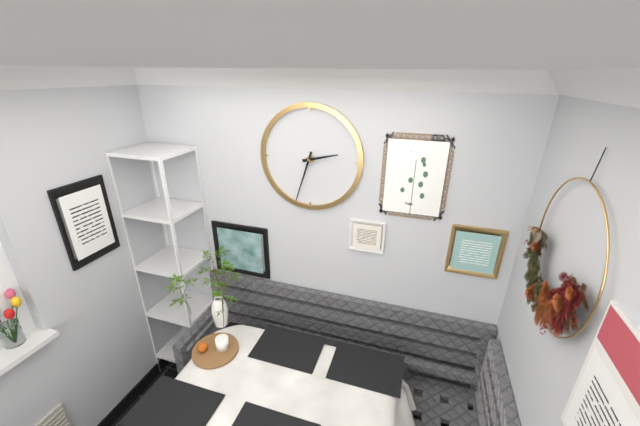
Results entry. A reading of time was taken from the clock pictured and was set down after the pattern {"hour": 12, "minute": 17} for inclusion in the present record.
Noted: {"hour": 2, "minute": 33}
